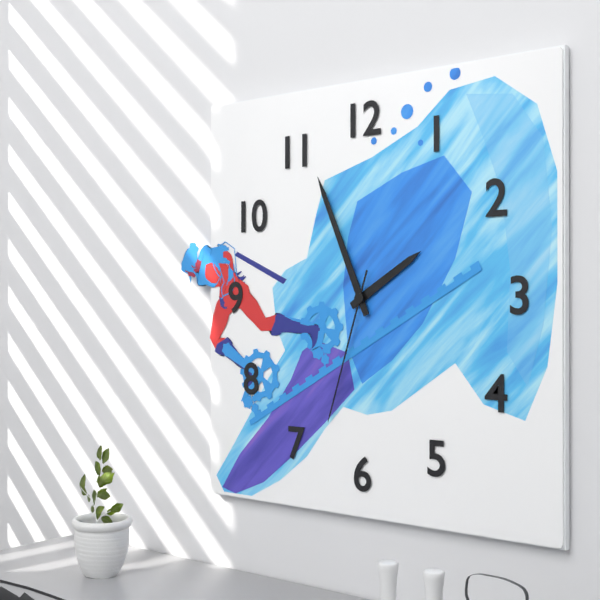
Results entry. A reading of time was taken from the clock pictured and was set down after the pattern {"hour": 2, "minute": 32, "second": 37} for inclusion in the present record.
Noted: {"hour": 1, "minute": 56, "second": 33}
